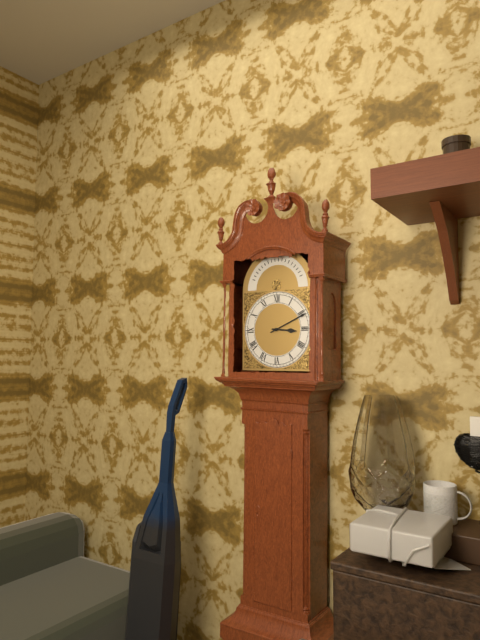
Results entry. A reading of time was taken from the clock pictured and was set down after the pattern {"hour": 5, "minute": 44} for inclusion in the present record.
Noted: {"hour": 3, "minute": 11}
